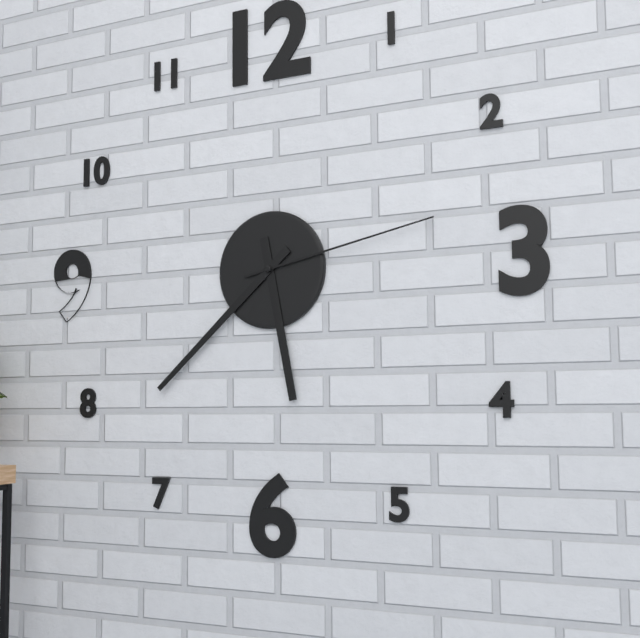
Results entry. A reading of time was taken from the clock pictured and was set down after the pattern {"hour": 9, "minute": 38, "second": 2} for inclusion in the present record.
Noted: {"hour": 5, "minute": 38, "second": 13}
